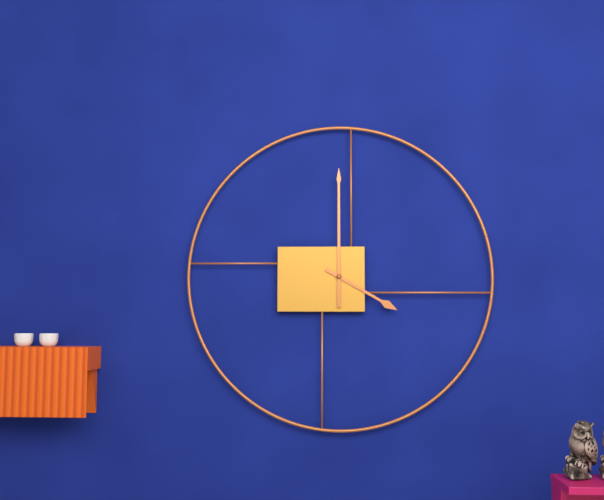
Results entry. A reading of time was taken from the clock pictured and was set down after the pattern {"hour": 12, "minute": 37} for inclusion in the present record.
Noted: {"hour": 4, "minute": 0}
